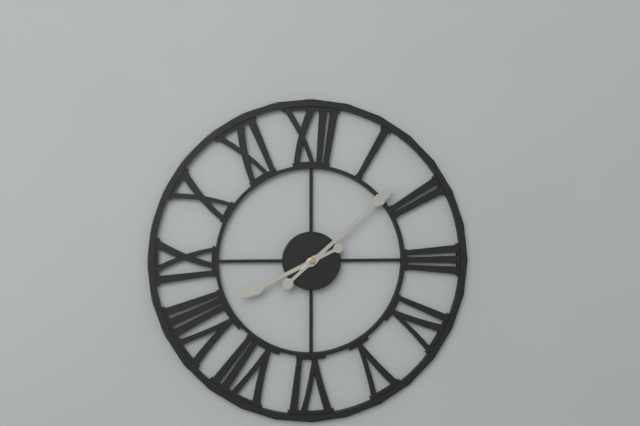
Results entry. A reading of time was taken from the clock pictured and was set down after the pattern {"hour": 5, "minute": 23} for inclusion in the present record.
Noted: {"hour": 8, "minute": 8}
